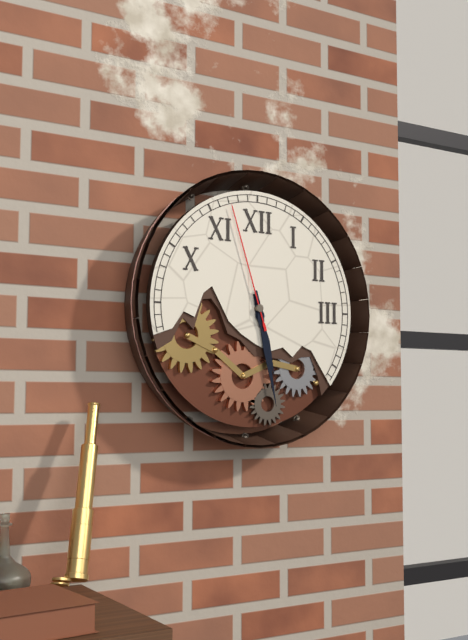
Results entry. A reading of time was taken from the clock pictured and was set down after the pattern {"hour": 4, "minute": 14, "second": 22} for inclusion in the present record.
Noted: {"hour": 5, "minute": 28, "second": 57}
